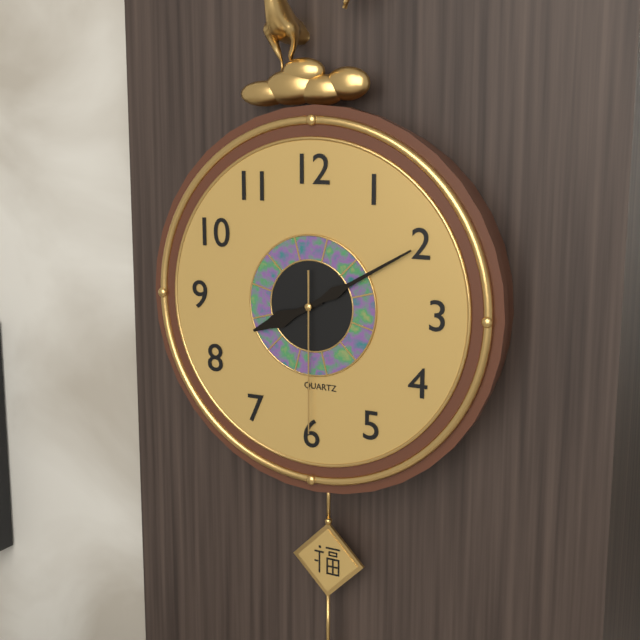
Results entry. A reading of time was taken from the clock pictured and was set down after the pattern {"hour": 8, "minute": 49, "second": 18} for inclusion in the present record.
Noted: {"hour": 8, "minute": 10, "second": 30}
